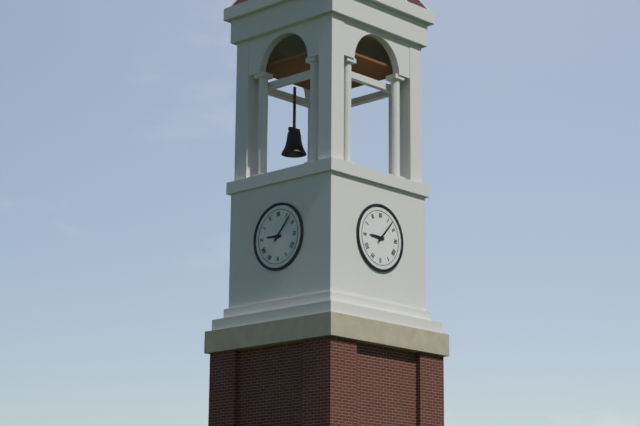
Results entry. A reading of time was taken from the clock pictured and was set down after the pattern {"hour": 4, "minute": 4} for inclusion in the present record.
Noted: {"hour": 9, "minute": 7}
